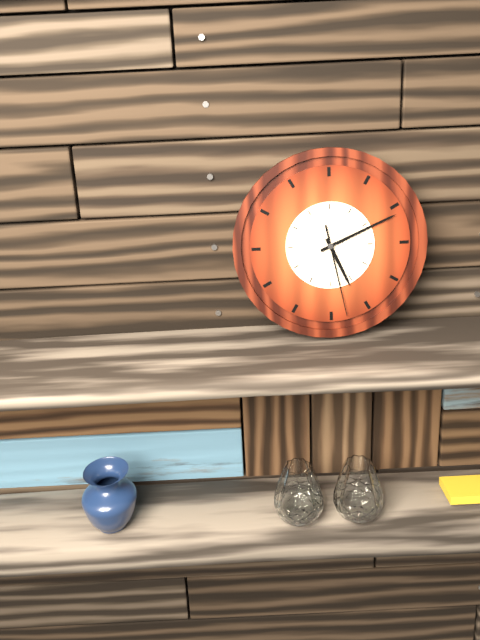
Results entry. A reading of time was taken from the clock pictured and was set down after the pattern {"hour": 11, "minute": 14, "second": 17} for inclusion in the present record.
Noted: {"hour": 5, "minute": 11, "second": 28}
